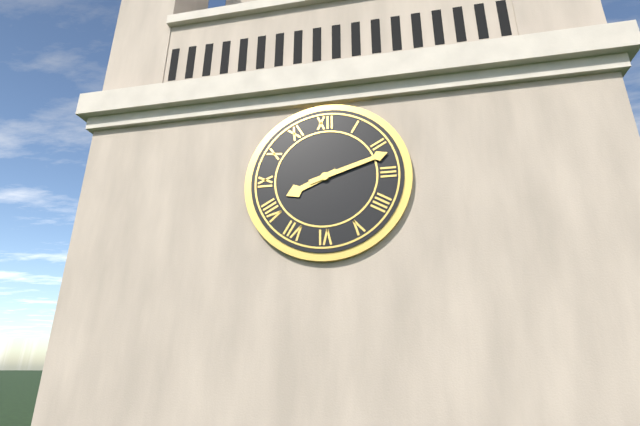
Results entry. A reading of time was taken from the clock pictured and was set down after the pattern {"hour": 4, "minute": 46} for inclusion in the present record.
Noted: {"hour": 8, "minute": 12}
